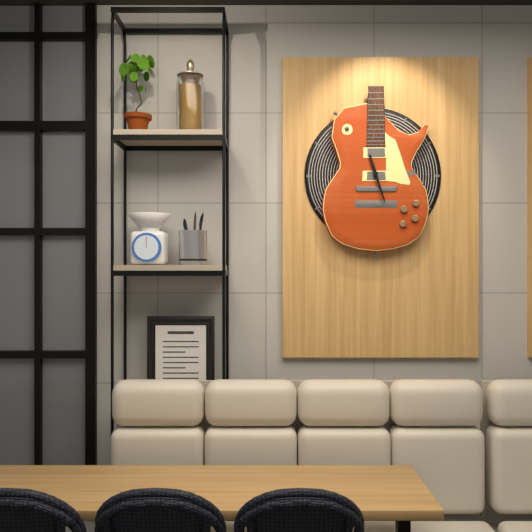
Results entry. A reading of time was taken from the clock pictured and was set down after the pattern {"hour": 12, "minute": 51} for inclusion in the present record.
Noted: {"hour": 11, "minute": 27}
